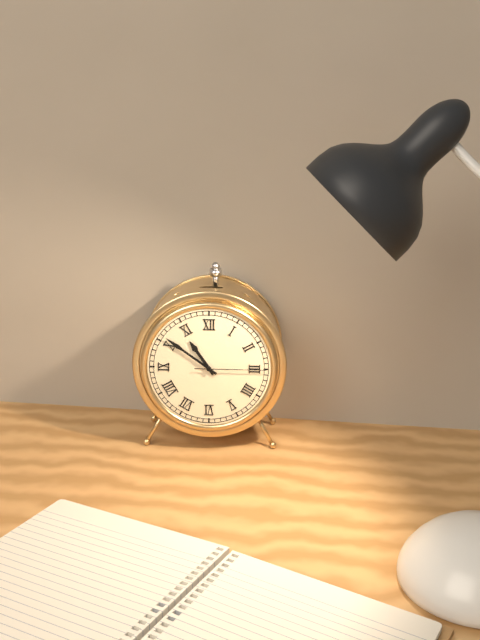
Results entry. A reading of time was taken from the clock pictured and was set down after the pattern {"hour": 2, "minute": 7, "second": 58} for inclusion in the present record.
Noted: {"hour": 10, "minute": 51, "second": 15}
